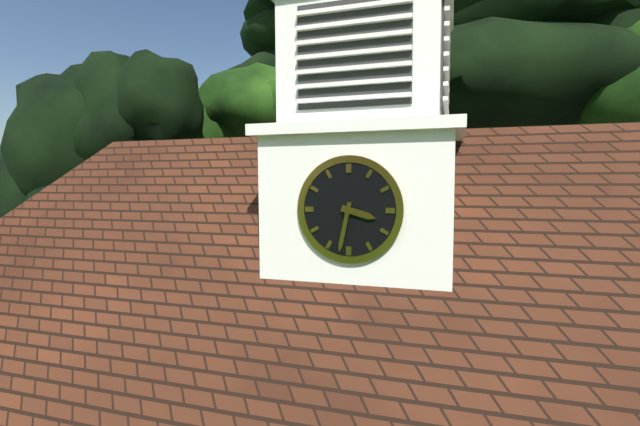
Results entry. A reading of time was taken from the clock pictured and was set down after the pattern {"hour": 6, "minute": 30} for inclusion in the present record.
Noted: {"hour": 3, "minute": 32}
